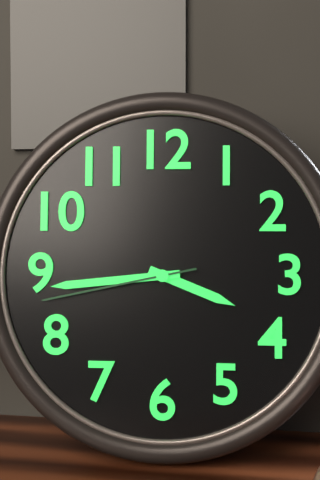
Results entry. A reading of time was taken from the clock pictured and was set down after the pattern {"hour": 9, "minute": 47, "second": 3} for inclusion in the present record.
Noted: {"hour": 3, "minute": 44, "second": 43}
